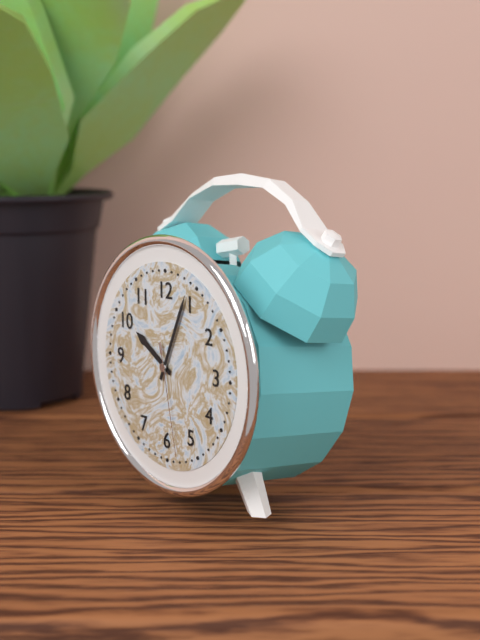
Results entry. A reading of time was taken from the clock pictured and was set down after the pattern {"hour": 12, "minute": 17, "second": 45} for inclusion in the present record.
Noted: {"hour": 10, "minute": 4, "second": 28}
